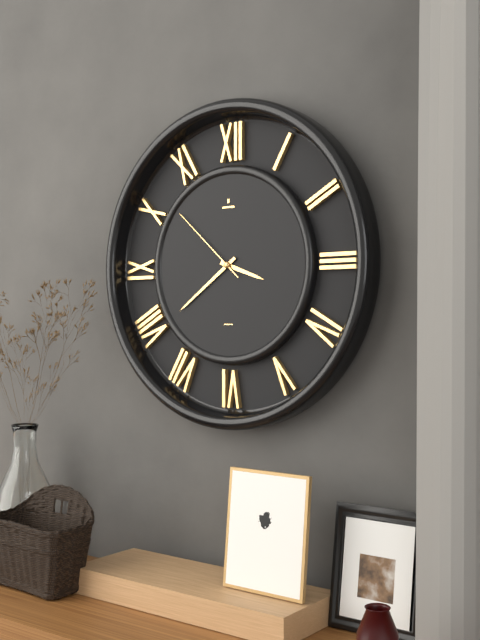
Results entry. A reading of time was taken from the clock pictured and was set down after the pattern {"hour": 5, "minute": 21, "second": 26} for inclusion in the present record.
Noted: {"hour": 3, "minute": 39, "second": 52}
